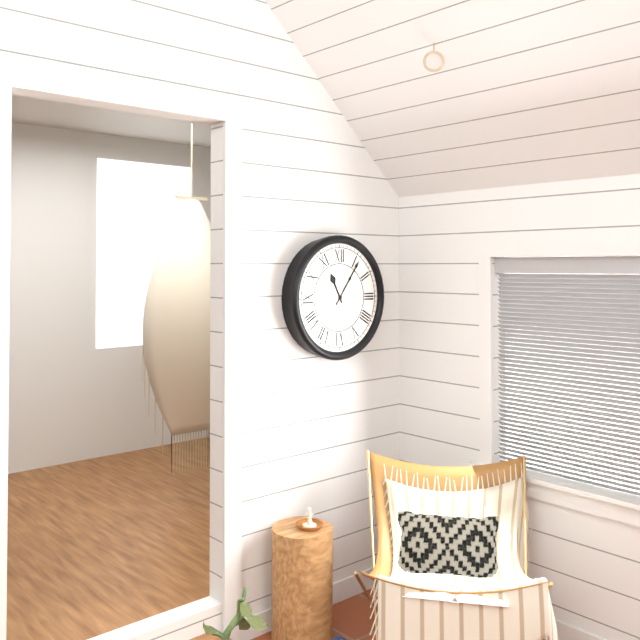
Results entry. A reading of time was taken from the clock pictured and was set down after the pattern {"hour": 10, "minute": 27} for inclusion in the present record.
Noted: {"hour": 11, "minute": 6}
